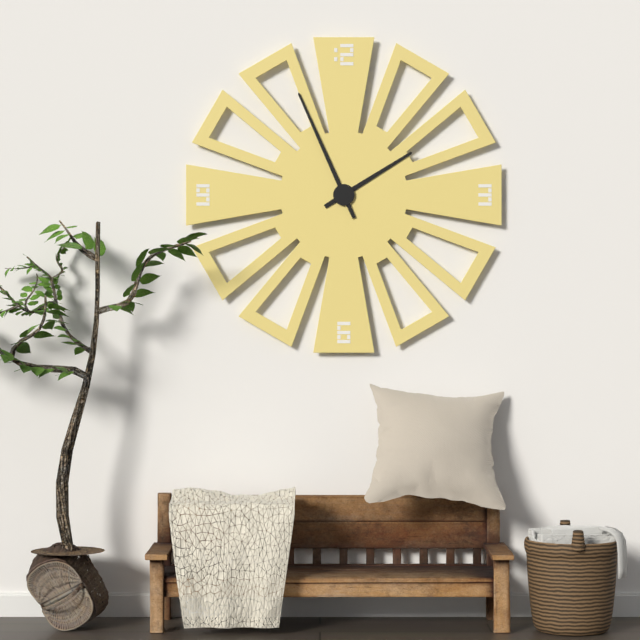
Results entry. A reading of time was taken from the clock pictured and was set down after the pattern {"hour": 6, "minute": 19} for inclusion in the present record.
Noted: {"hour": 1, "minute": 56}
